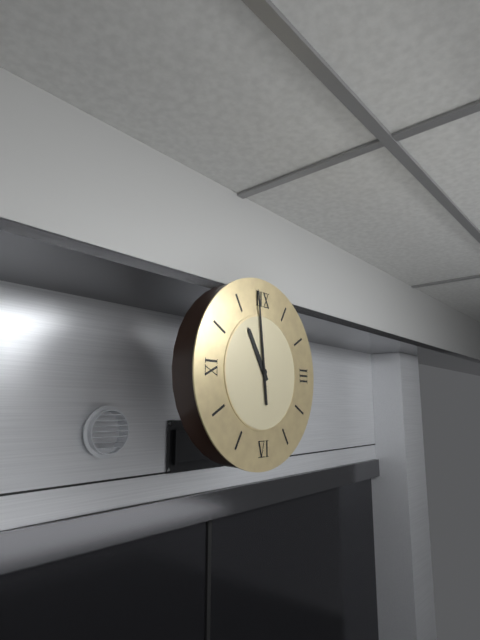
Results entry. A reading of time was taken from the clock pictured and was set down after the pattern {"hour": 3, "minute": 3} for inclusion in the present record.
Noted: {"hour": 10, "minute": 59}
